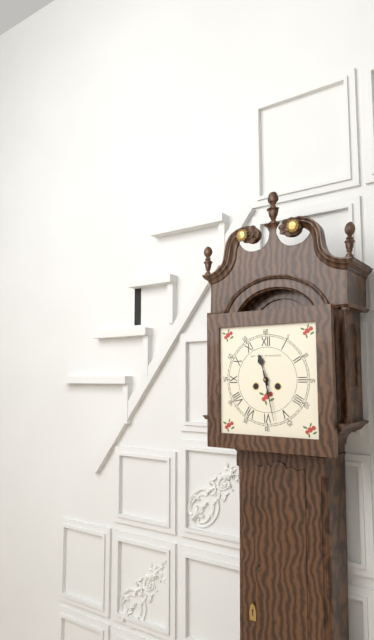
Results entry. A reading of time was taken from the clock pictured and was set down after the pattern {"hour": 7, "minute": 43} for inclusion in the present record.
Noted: {"hour": 11, "minute": 28}
